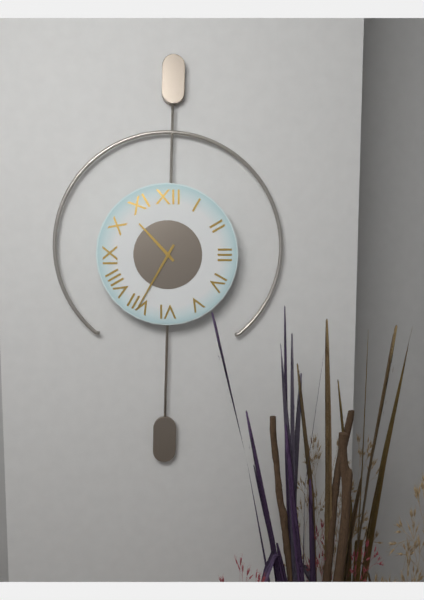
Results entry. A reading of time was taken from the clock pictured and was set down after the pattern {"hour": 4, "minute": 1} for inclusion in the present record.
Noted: {"hour": 10, "minute": 35}
